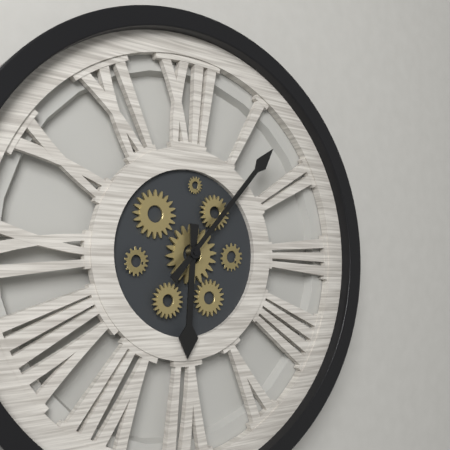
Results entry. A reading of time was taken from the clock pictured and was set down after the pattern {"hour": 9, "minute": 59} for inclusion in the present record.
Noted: {"hour": 6, "minute": 7}
